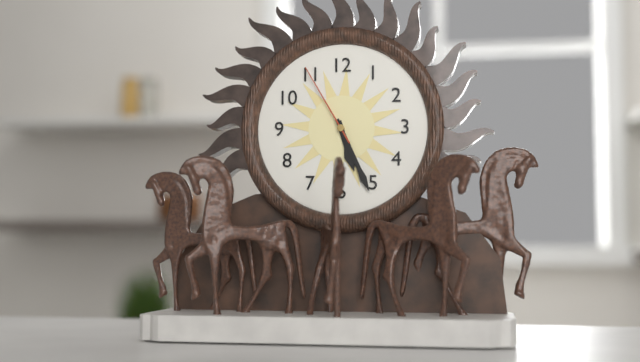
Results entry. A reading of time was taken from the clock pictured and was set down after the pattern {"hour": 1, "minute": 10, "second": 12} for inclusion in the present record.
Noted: {"hour": 5, "minute": 26, "second": 55}
